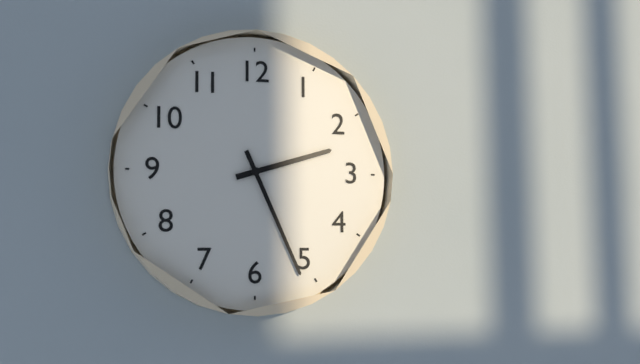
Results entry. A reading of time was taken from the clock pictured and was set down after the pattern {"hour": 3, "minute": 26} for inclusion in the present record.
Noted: {"hour": 2, "minute": 26}
